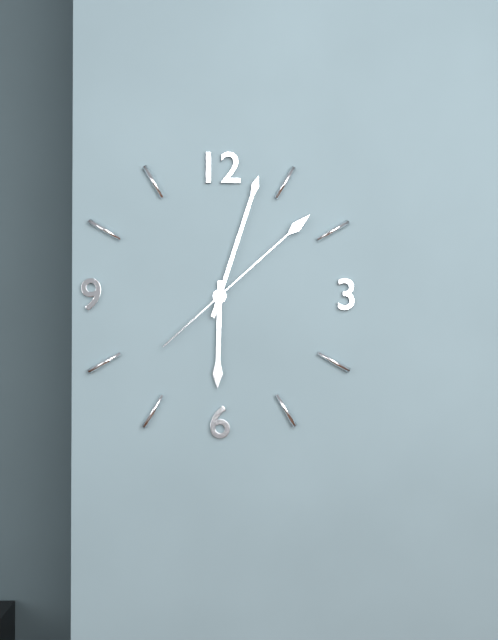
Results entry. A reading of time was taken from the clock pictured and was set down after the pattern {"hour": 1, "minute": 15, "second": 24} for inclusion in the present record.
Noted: {"hour": 6, "minute": 3, "second": 8}
